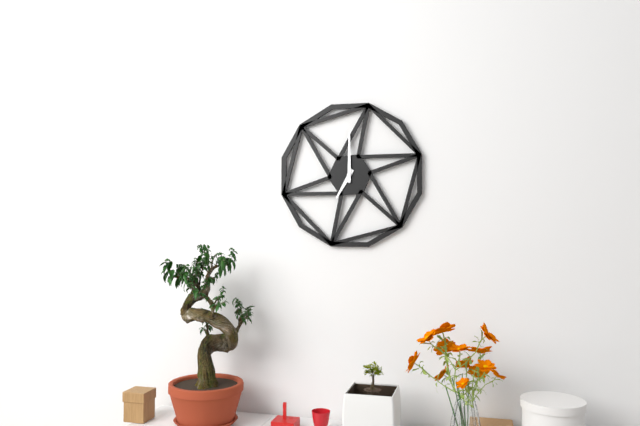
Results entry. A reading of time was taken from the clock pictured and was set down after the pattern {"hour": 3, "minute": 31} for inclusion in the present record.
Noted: {"hour": 7, "minute": 0}
